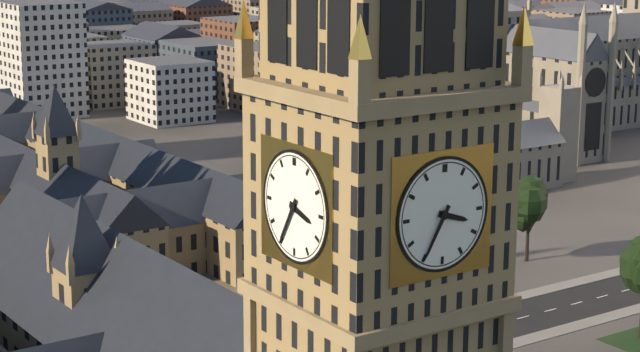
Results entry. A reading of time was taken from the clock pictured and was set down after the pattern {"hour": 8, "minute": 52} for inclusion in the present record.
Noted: {"hour": 3, "minute": 35}
